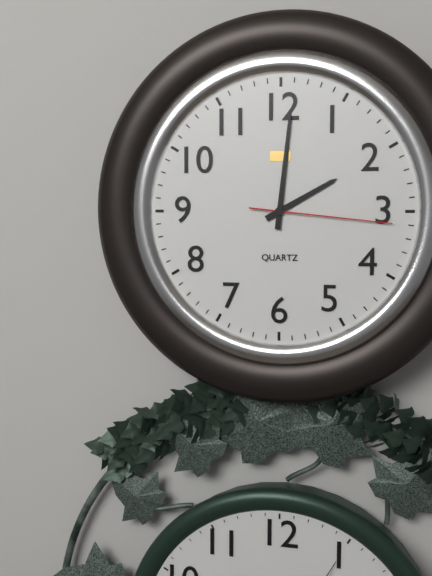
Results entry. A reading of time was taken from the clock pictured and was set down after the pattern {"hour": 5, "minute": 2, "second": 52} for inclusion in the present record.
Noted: {"hour": 2, "minute": 1, "second": 16}
